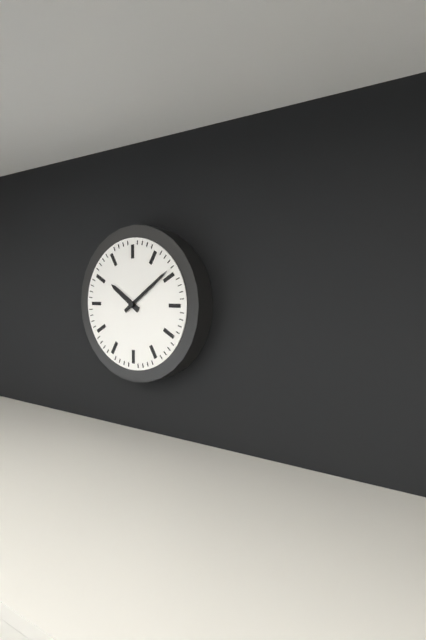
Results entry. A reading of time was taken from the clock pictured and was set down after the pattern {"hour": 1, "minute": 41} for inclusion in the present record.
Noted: {"hour": 10, "minute": 9}
